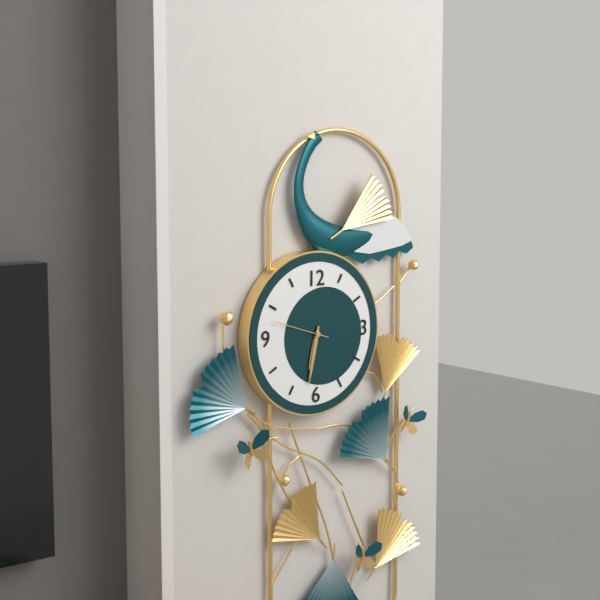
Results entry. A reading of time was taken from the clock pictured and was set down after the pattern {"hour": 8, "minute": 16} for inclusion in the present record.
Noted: {"hour": 6, "minute": 32}
